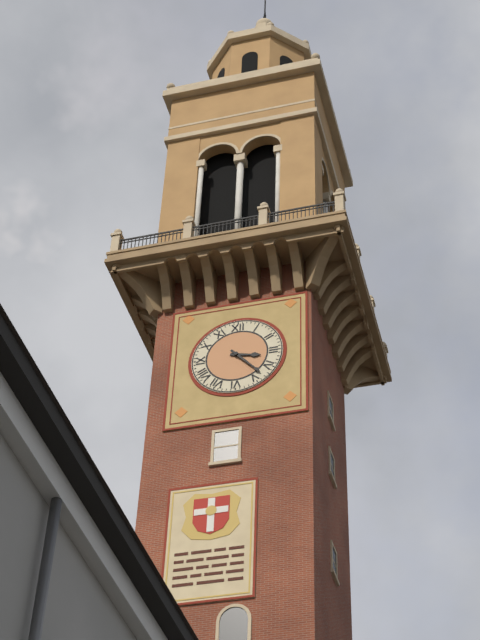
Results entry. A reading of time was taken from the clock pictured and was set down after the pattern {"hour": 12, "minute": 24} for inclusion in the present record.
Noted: {"hour": 3, "minute": 23}
